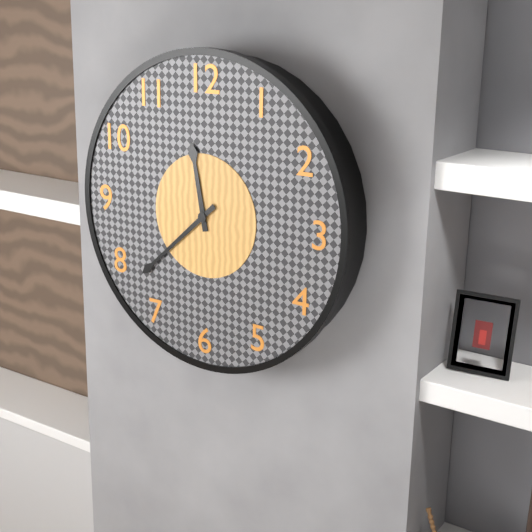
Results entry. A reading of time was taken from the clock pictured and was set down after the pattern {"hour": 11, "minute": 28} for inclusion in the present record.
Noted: {"hour": 11, "minute": 38}
